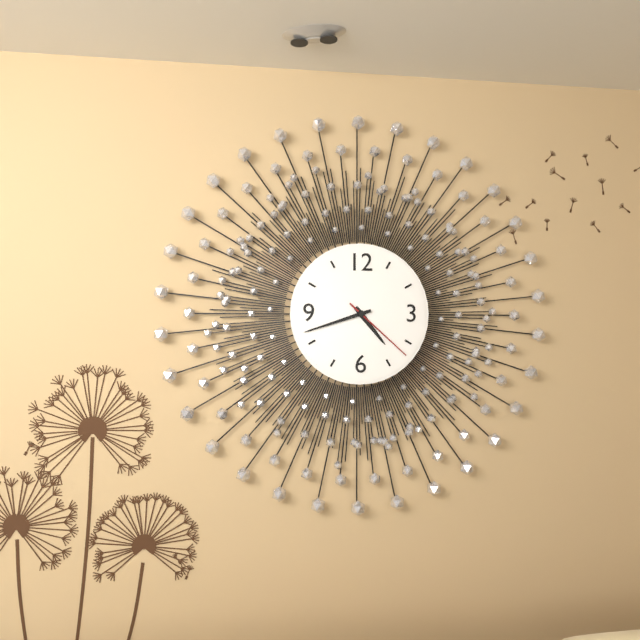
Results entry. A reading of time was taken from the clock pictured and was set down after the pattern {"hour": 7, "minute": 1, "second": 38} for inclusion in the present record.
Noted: {"hour": 4, "minute": 42, "second": 22}
